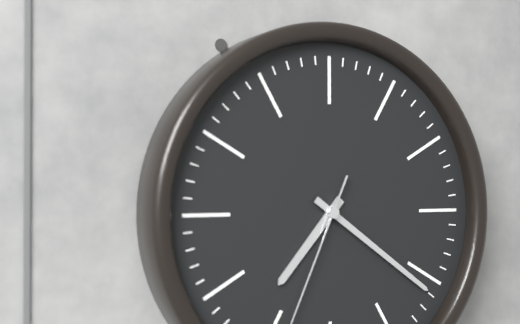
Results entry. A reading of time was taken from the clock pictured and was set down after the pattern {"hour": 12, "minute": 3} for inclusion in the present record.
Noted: {"hour": 7, "minute": 21}
